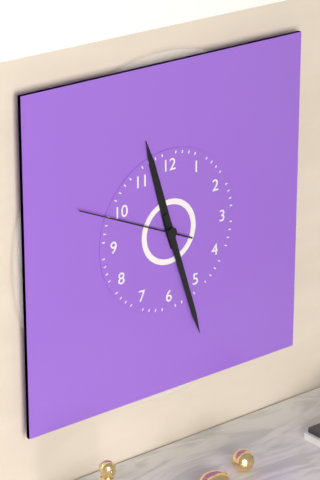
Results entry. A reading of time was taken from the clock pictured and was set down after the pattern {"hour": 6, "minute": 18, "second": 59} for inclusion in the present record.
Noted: {"hour": 11, "minute": 27, "second": 49}
